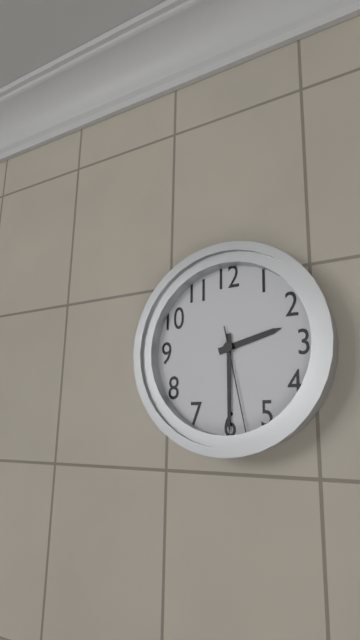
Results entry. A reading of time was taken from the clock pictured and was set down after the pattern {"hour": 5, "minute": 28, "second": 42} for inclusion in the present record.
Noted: {"hour": 2, "minute": 30, "second": 28}
